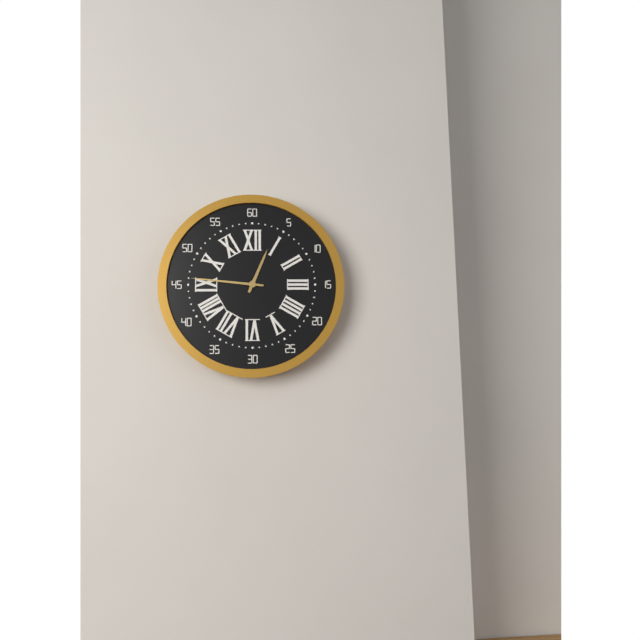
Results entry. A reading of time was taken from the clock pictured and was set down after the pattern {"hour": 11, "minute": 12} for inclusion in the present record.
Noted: {"hour": 12, "minute": 46}
